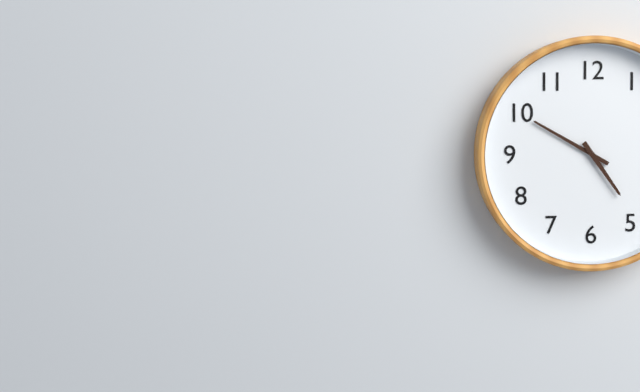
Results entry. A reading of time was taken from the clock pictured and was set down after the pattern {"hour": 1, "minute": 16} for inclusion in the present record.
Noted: {"hour": 4, "minute": 50}
